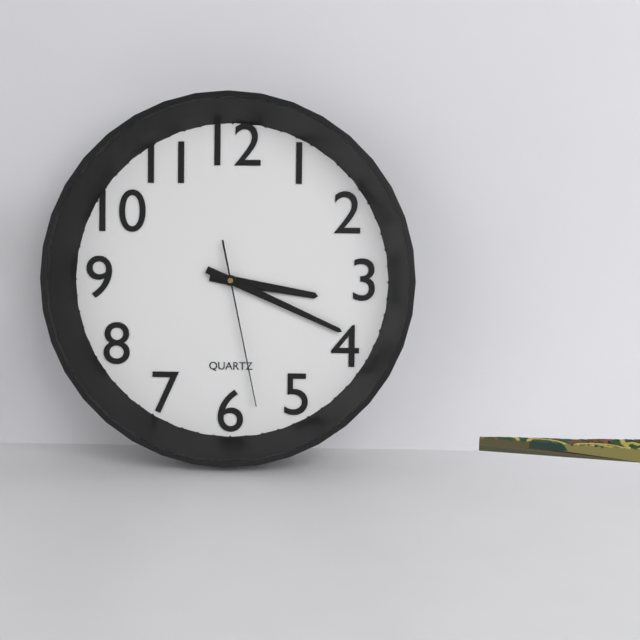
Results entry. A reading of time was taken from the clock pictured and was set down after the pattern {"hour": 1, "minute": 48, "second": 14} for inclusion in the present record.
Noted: {"hour": 3, "minute": 19, "second": 28}
